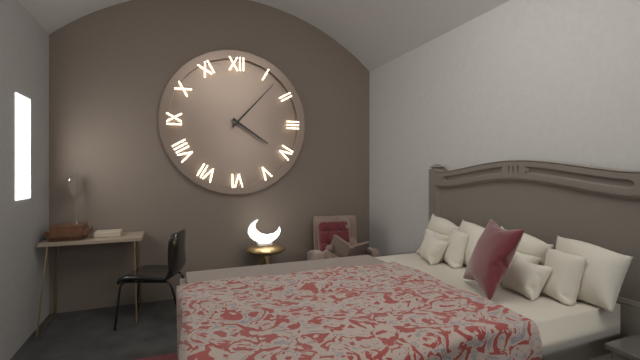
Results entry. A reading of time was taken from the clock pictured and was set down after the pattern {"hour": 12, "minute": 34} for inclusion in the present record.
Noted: {"hour": 4, "minute": 7}
